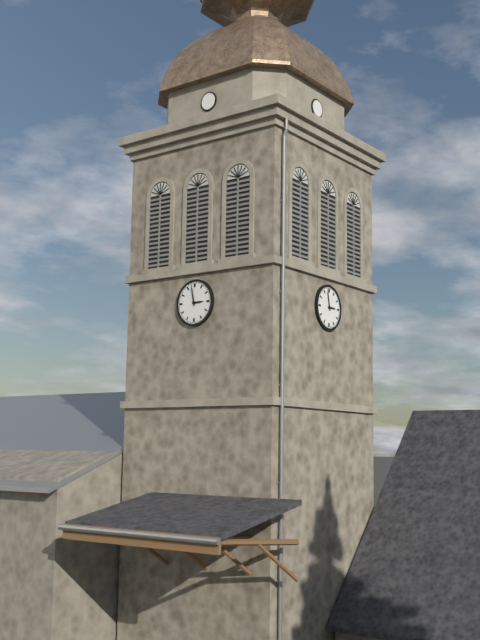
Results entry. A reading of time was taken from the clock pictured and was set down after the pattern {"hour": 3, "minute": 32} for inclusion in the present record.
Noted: {"hour": 2, "minute": 58}
